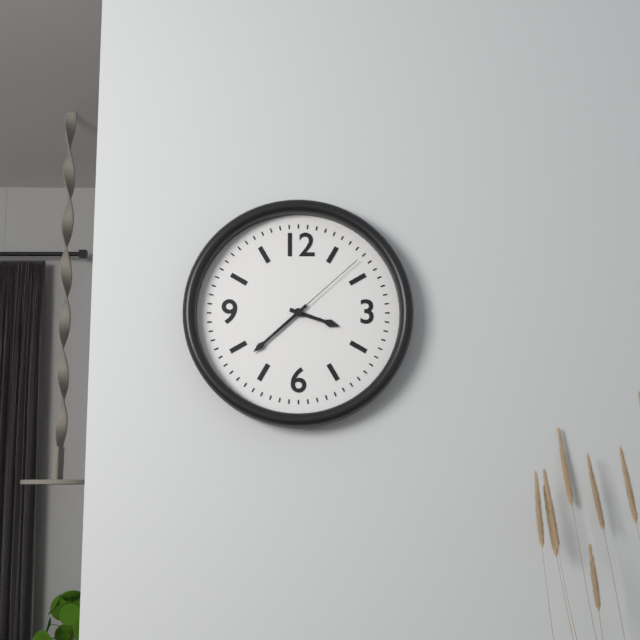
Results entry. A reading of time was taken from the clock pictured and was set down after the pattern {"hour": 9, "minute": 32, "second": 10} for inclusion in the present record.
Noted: {"hour": 3, "minute": 38, "second": 8}
